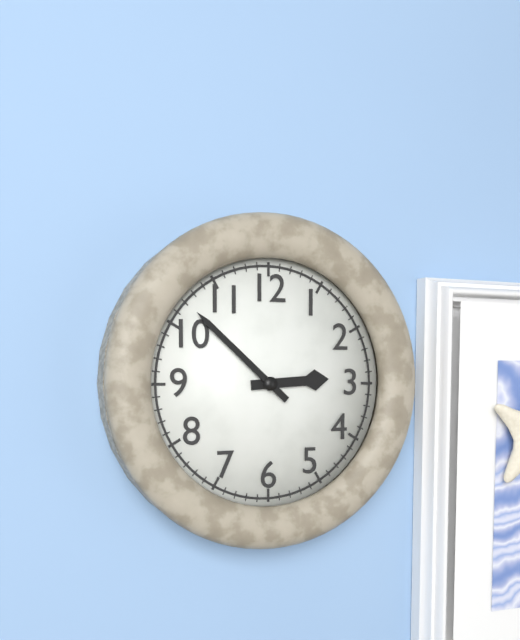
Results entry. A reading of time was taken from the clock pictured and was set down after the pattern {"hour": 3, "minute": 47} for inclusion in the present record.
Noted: {"hour": 2, "minute": 52}
